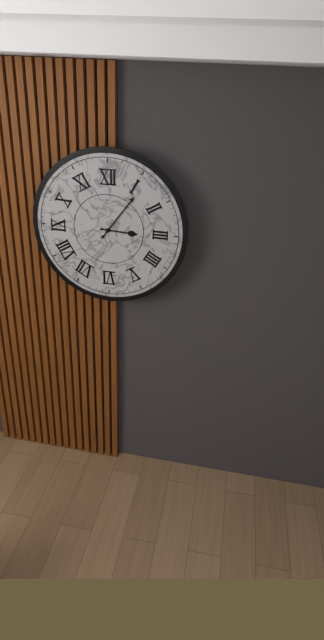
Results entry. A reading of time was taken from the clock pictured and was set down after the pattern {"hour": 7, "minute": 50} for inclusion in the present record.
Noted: {"hour": 3, "minute": 6}
